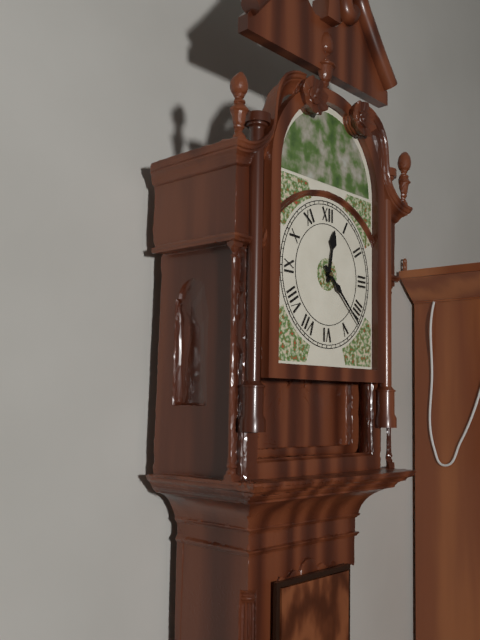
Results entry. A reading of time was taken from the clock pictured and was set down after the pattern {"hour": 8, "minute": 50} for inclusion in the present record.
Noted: {"hour": 12, "minute": 22}
